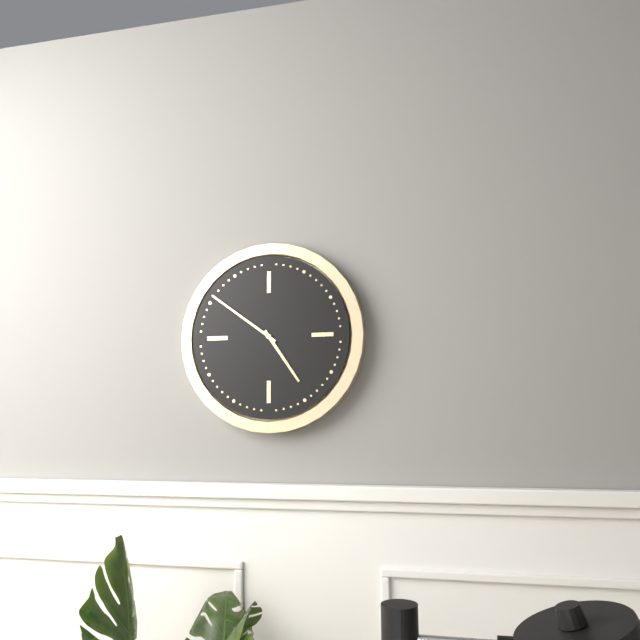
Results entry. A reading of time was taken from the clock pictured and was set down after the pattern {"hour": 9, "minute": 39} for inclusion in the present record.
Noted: {"hour": 4, "minute": 51}
